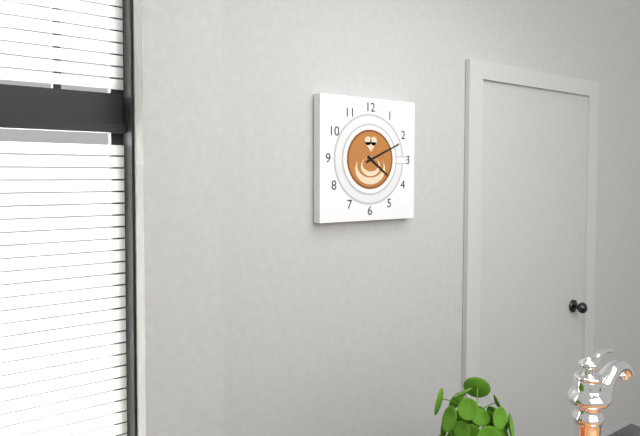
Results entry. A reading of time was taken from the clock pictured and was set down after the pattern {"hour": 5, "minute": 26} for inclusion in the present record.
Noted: {"hour": 4, "minute": 11}
